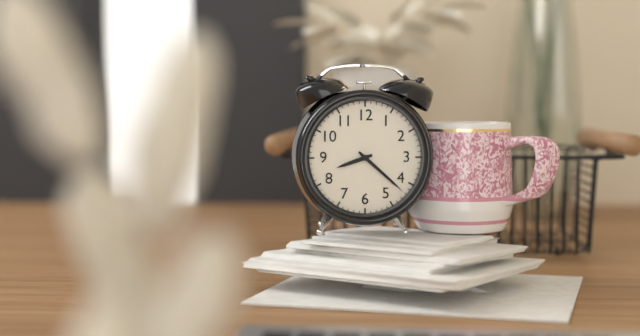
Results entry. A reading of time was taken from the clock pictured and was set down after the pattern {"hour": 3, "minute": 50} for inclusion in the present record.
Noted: {"hour": 8, "minute": 22}
